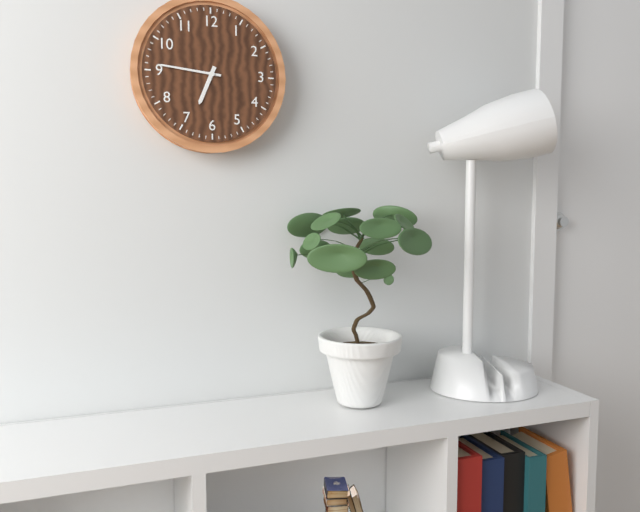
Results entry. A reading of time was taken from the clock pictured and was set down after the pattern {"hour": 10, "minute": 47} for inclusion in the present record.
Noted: {"hour": 6, "minute": 46}
